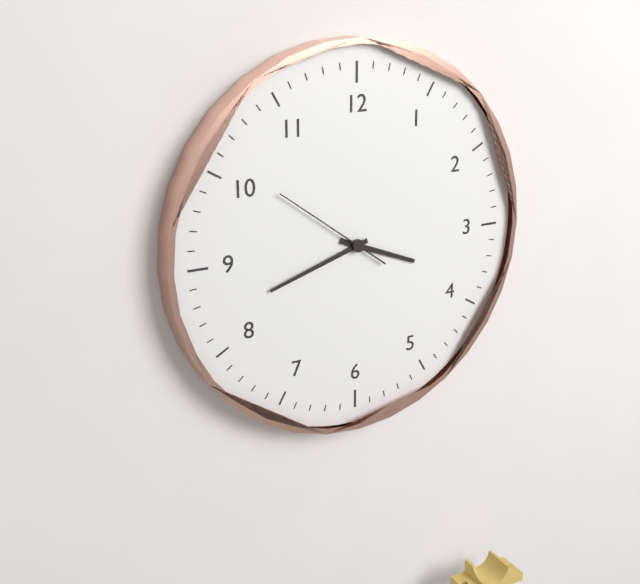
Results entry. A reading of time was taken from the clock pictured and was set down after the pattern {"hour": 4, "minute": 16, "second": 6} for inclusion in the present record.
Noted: {"hour": 3, "minute": 42, "second": 51}
